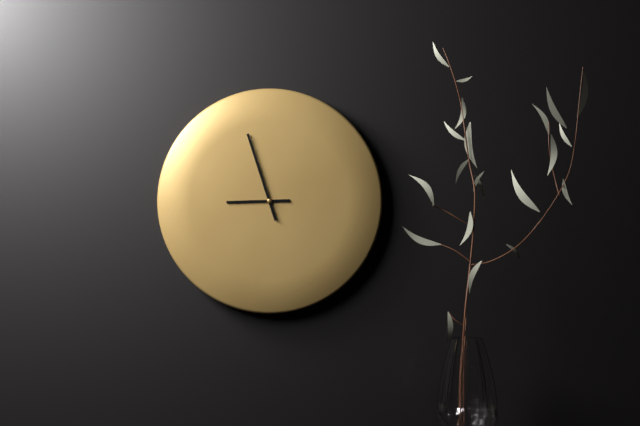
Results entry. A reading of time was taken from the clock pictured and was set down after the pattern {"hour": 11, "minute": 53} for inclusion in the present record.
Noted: {"hour": 8, "minute": 57}
